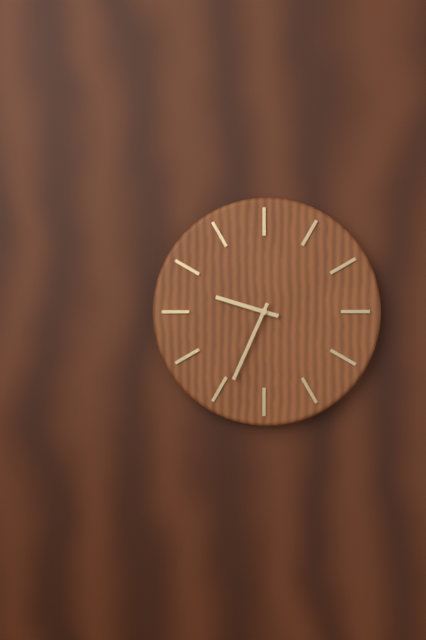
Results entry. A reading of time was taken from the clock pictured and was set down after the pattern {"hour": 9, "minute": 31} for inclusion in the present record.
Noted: {"hour": 9, "minute": 34}
